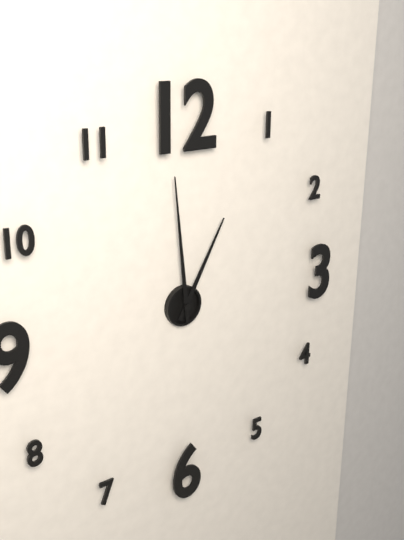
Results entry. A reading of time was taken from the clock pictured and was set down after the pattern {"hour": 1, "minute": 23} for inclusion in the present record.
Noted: {"hour": 12, "minute": 59}
